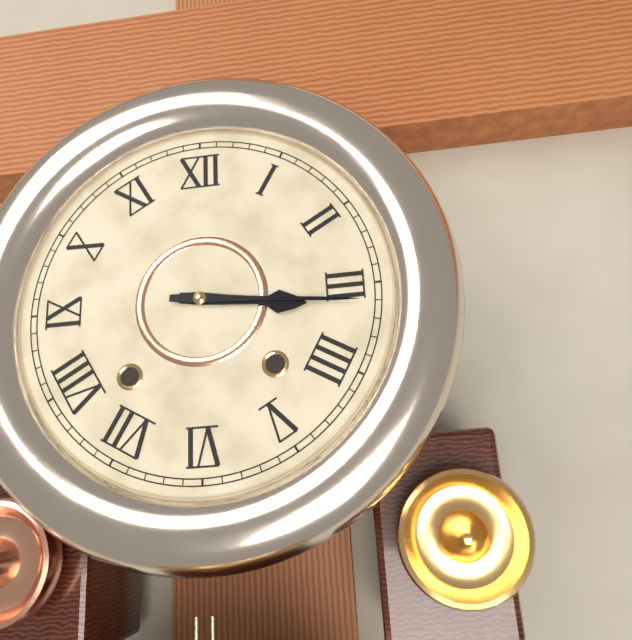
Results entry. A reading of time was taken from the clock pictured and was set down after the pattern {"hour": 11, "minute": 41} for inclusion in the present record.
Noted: {"hour": 3, "minute": 16}
